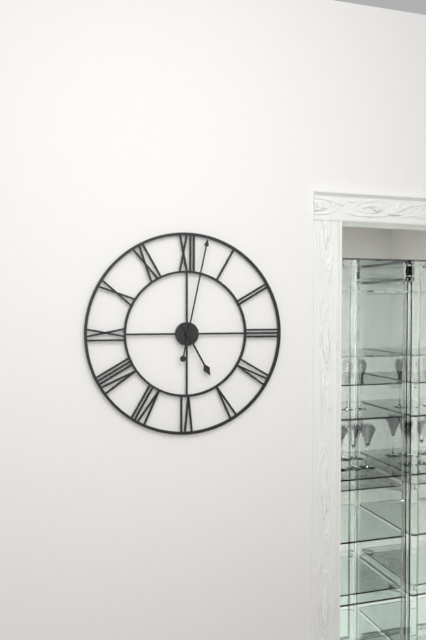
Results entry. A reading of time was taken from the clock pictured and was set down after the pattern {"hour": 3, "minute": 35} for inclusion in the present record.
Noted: {"hour": 5, "minute": 2}
